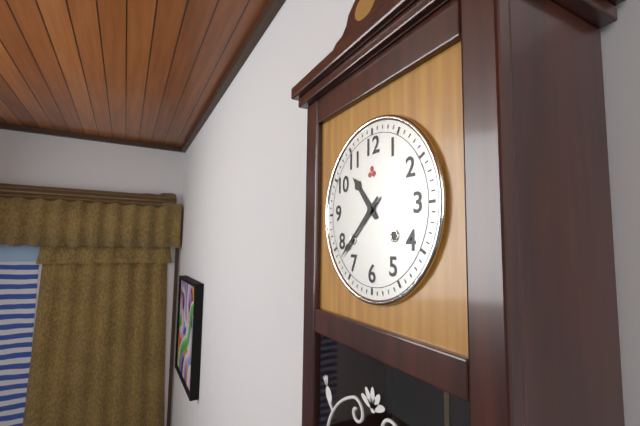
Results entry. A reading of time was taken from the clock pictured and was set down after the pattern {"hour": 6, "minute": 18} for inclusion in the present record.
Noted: {"hour": 10, "minute": 38}
